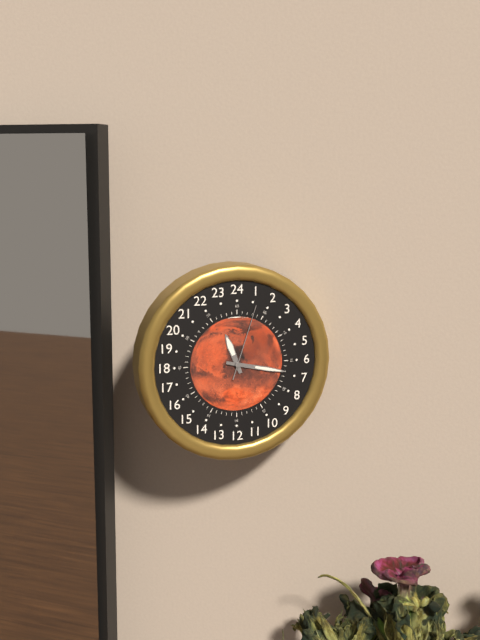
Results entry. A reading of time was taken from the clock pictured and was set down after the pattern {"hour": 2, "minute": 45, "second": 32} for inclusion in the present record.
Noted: {"hour": 11, "minute": 17, "second": 3}
